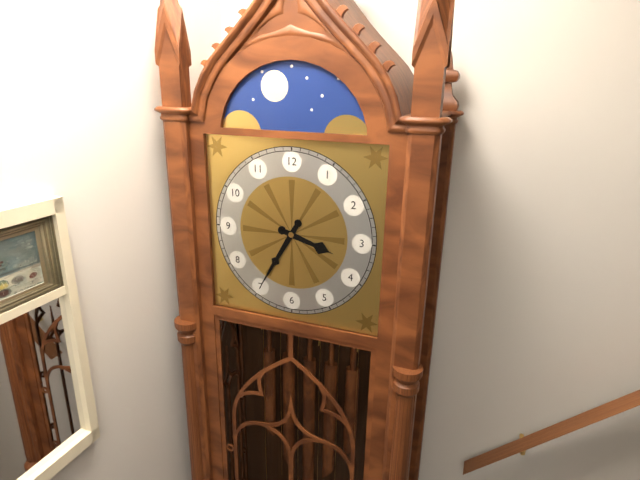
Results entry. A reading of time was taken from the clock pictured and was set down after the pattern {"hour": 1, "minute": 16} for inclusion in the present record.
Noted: {"hour": 3, "minute": 35}
